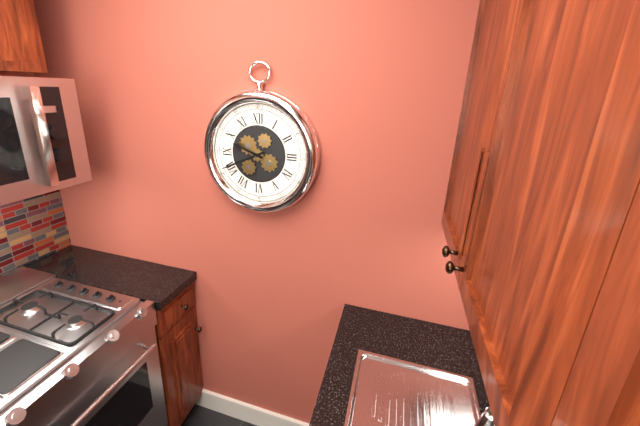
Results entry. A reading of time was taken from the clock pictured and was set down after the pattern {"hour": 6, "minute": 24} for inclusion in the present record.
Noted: {"hour": 9, "minute": 41}
